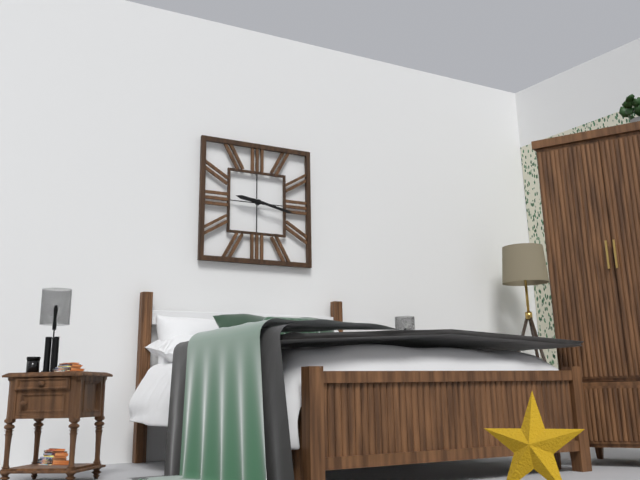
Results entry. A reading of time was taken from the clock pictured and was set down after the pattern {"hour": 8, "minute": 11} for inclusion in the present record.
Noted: {"hour": 9, "minute": 17}
